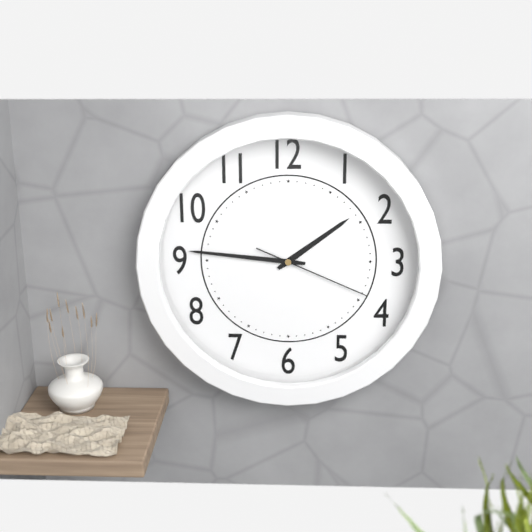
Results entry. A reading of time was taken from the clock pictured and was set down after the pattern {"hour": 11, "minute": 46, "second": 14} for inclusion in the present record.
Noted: {"hour": 1, "minute": 46, "second": 19}
